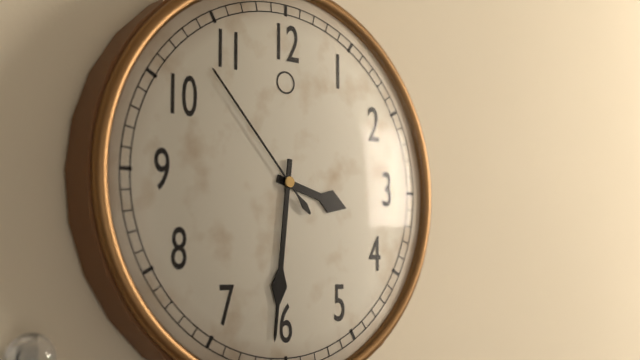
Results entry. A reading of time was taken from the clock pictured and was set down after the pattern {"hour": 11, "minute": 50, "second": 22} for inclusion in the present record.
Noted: {"hour": 3, "minute": 31, "second": 53}
